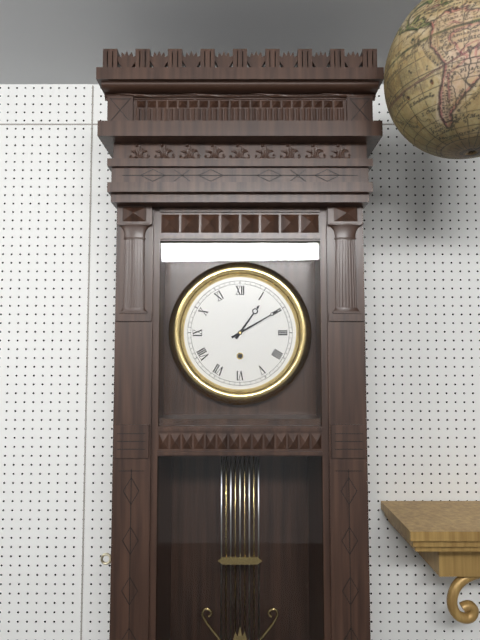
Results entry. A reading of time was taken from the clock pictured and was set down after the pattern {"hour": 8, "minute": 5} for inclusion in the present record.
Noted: {"hour": 1, "minute": 10}
